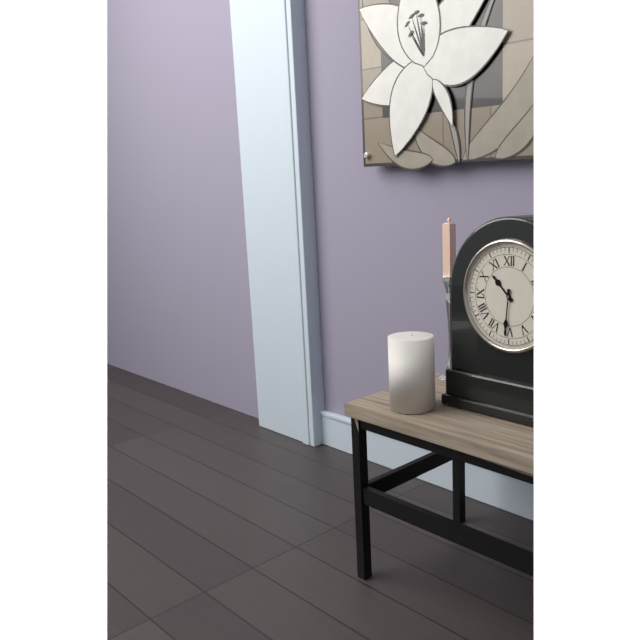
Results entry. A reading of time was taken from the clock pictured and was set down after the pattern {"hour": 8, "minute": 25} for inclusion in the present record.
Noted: {"hour": 10, "minute": 31}
